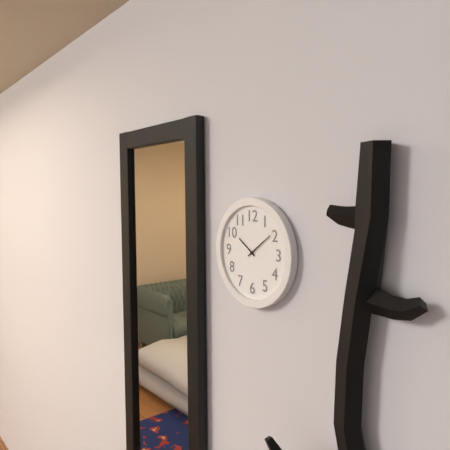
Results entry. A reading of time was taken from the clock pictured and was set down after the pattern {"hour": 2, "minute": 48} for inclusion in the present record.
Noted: {"hour": 10, "minute": 9}
